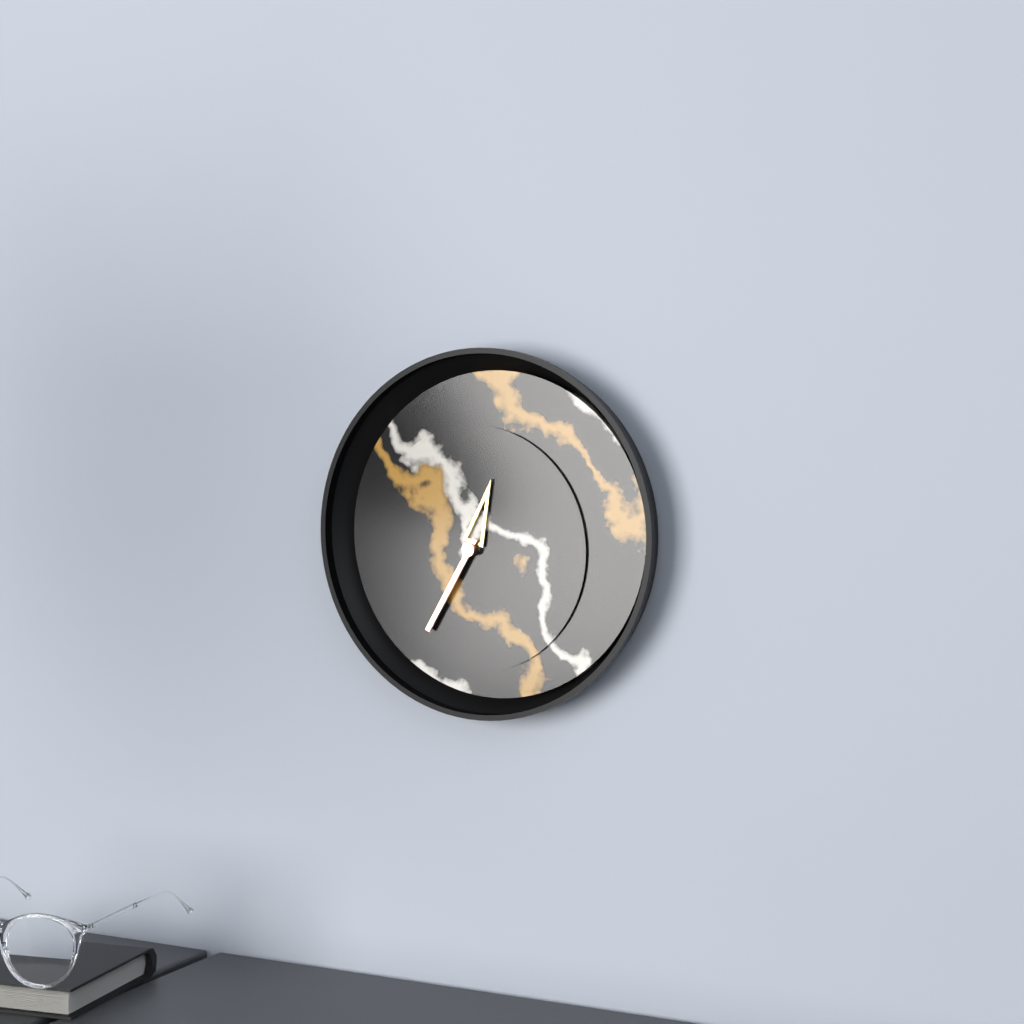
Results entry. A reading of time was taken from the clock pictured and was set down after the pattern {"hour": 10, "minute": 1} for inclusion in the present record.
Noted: {"hour": 12, "minute": 35}
